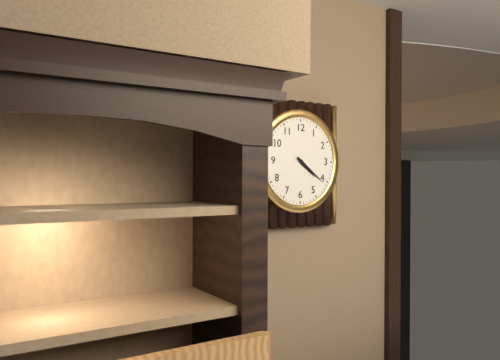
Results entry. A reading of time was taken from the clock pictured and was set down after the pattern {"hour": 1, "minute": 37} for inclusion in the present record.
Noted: {"hour": 4, "minute": 21}
